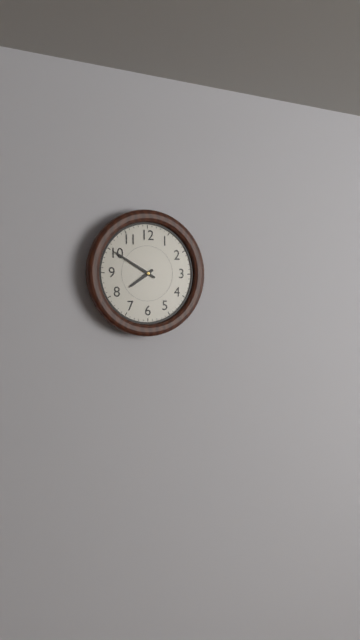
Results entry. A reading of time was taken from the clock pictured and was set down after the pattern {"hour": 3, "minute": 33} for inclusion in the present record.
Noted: {"hour": 7, "minute": 50}
